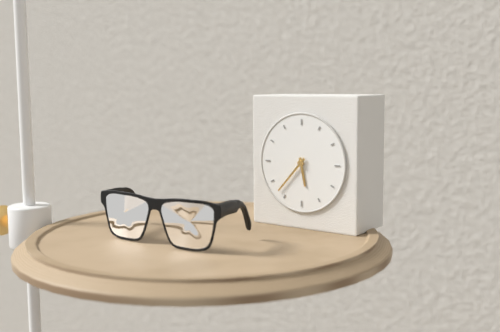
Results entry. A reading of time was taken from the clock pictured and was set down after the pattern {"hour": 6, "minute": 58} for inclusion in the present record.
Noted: {"hour": 5, "minute": 37}
